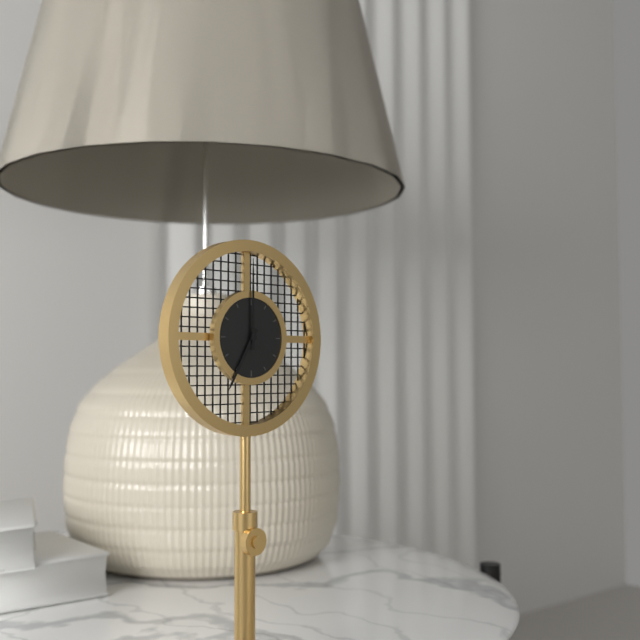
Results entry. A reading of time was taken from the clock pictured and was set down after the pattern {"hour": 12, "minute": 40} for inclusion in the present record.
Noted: {"hour": 7, "minute": 0}
